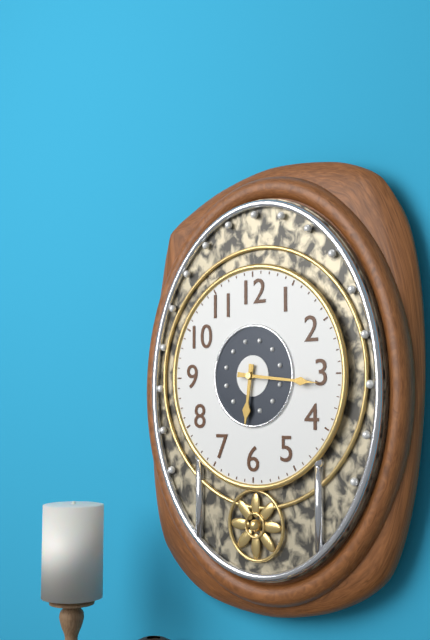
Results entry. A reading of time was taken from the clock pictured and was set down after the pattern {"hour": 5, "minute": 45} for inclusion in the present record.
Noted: {"hour": 6, "minute": 16}
